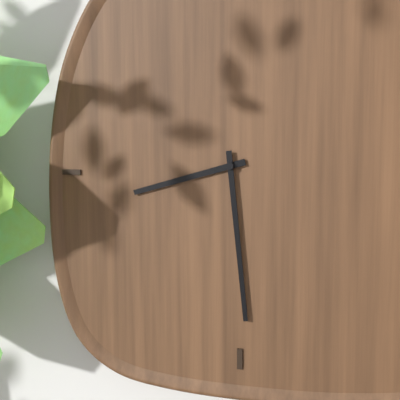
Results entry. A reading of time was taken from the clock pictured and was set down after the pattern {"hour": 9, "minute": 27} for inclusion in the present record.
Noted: {"hour": 8, "minute": 29}
